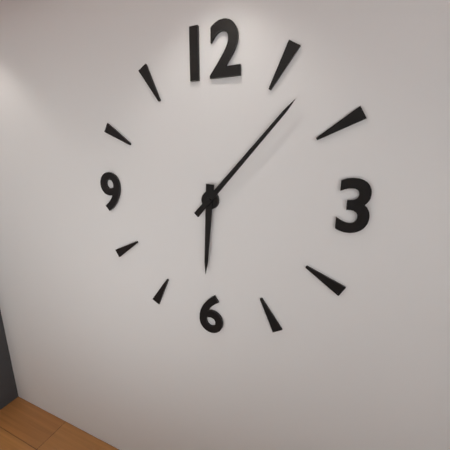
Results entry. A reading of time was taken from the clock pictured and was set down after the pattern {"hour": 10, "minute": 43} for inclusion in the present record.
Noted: {"hour": 6, "minute": 7}
